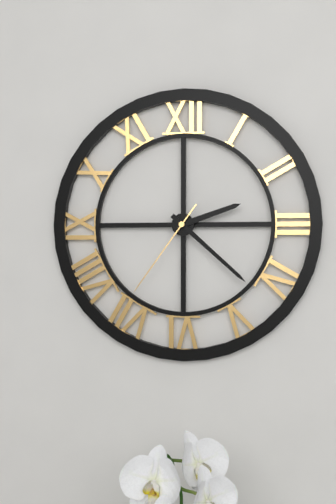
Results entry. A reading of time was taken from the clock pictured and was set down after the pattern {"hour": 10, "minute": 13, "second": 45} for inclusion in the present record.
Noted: {"hour": 2, "minute": 22, "second": 36}
